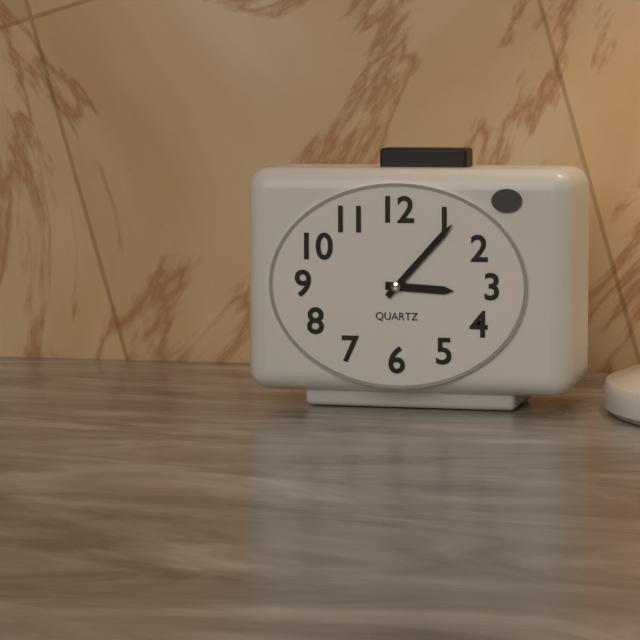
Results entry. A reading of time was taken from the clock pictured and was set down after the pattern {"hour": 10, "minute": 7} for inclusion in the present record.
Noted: {"hour": 3, "minute": 7}
